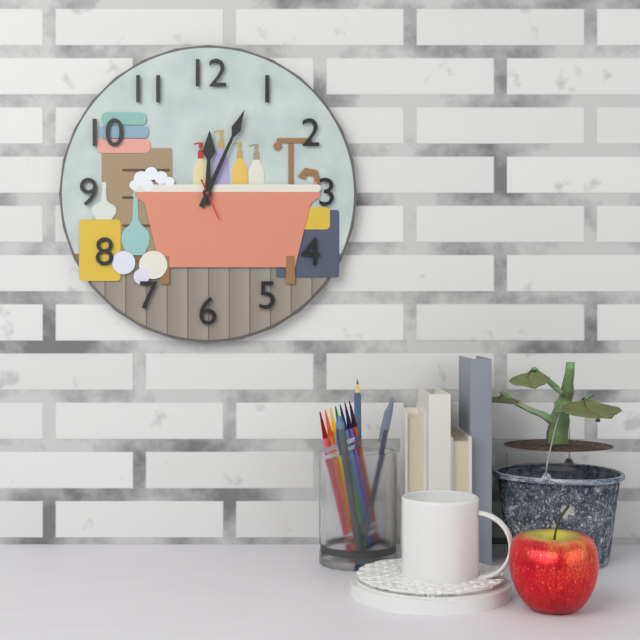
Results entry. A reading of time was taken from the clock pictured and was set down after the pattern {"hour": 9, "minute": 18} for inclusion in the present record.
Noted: {"hour": 12, "minute": 4}
